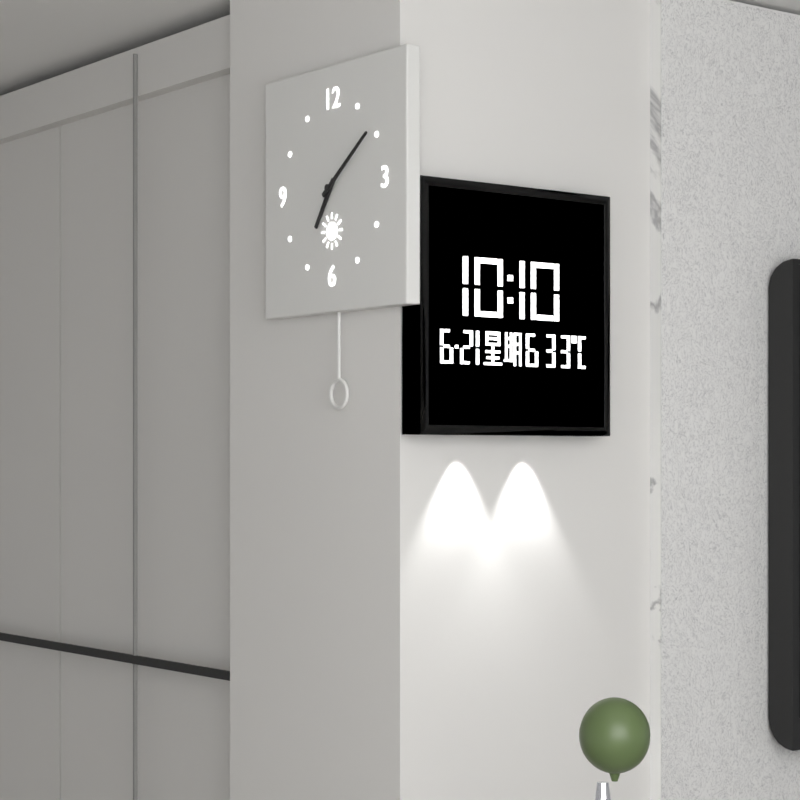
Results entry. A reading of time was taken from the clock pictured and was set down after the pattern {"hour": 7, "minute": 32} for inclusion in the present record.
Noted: {"hour": 7, "minute": 9}
